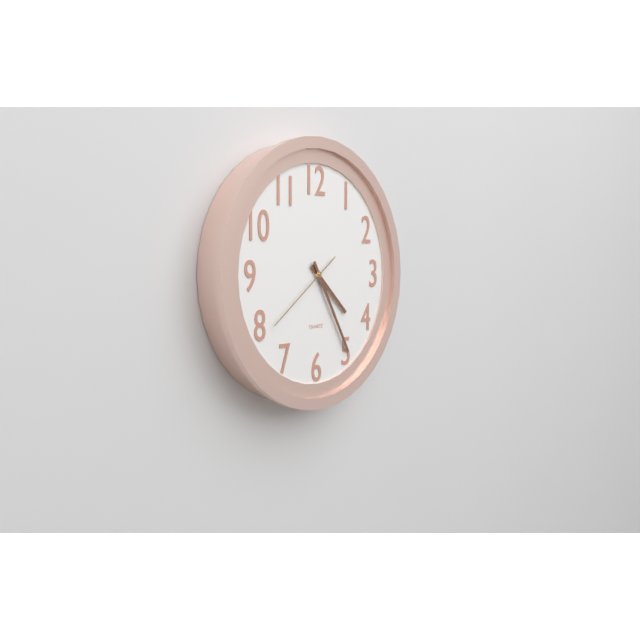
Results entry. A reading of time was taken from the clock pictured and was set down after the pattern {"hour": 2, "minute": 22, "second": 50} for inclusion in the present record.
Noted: {"hour": 4, "minute": 25, "second": 39}
